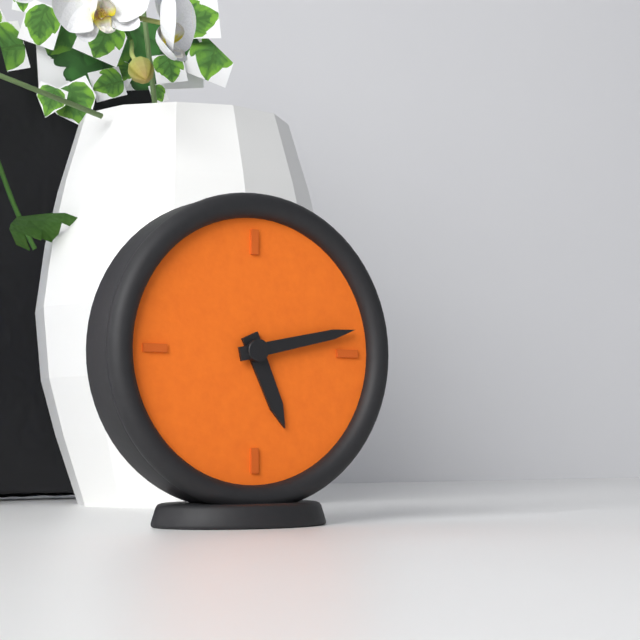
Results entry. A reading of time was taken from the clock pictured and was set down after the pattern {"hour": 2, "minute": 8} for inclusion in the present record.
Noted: {"hour": 5, "minute": 13}
